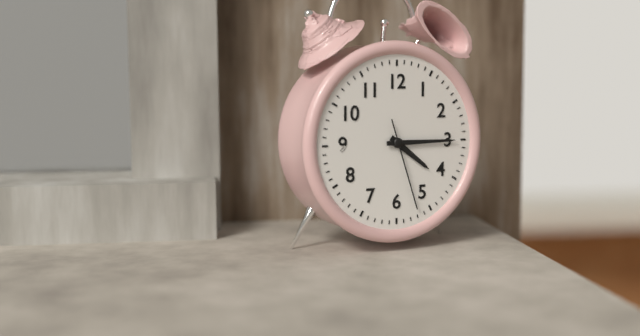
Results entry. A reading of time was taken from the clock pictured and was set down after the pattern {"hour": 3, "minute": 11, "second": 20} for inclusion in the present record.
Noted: {"hour": 4, "minute": 15, "second": 27}
